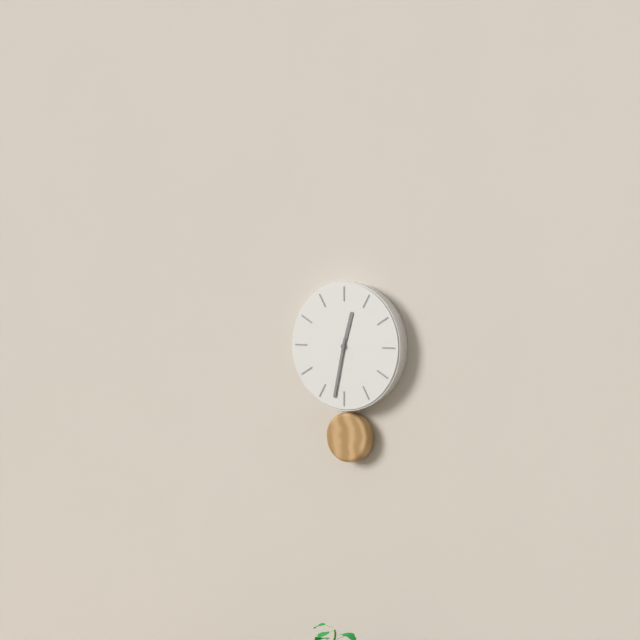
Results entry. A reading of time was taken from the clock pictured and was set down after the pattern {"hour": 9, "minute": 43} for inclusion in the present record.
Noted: {"hour": 12, "minute": 32}
